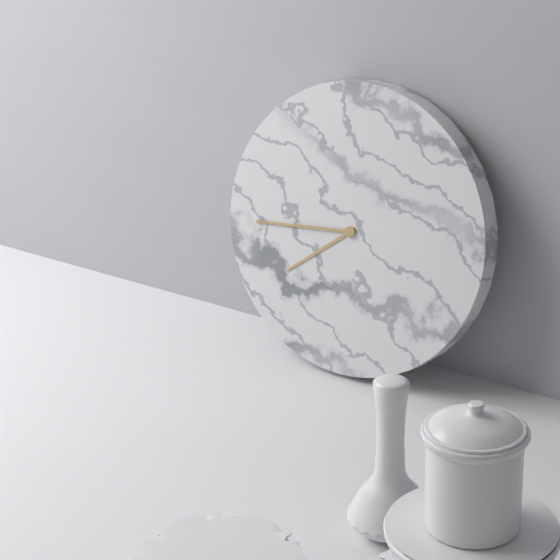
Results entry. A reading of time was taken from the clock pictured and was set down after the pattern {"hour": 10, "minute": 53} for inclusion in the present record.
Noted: {"hour": 7, "minute": 44}
